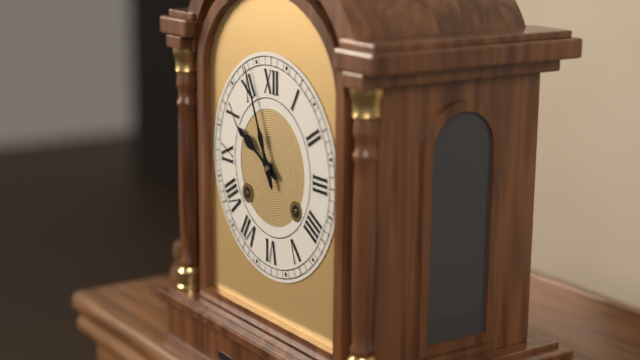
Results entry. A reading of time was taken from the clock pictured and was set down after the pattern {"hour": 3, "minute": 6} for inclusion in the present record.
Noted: {"hour": 9, "minute": 56}
